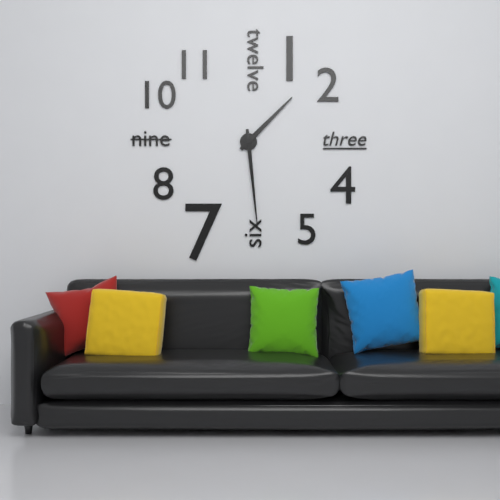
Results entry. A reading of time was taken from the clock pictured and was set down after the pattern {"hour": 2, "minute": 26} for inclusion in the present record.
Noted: {"hour": 1, "minute": 29}
